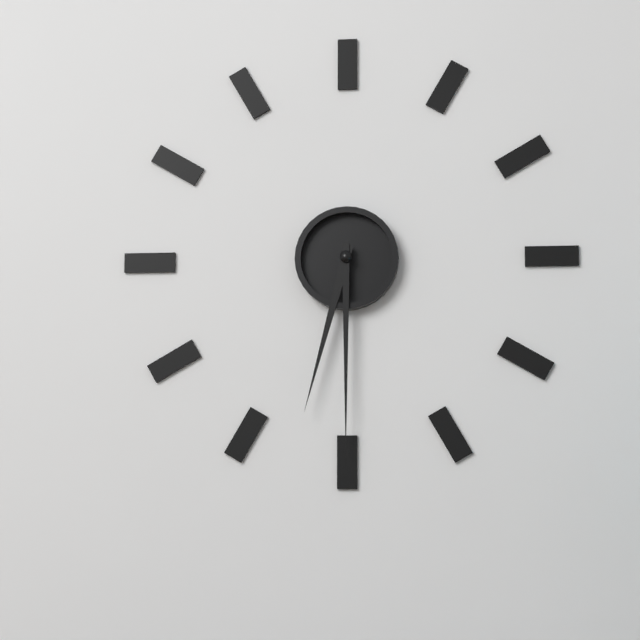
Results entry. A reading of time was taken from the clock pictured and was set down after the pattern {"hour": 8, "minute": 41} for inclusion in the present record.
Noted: {"hour": 6, "minute": 30}
